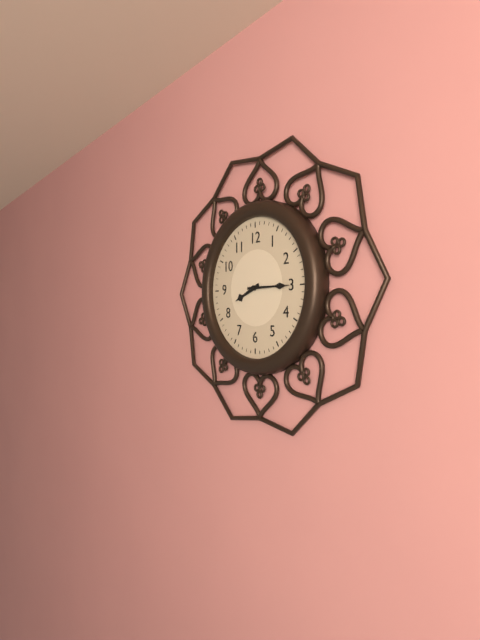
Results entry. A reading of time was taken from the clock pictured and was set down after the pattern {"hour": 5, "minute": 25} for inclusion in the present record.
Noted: {"hour": 8, "minute": 15}
